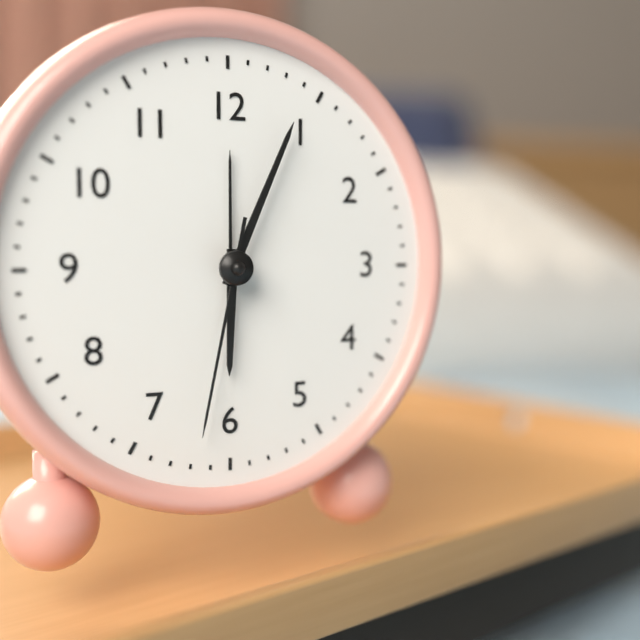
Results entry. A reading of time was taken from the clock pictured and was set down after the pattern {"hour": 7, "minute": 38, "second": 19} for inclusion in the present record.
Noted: {"hour": 6, "minute": 4, "second": 32}
